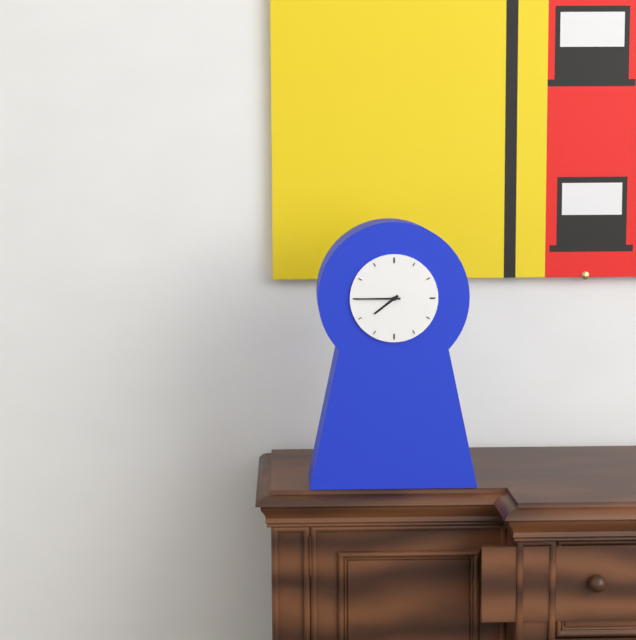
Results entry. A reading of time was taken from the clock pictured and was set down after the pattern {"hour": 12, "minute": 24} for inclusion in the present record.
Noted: {"hour": 7, "minute": 45}
